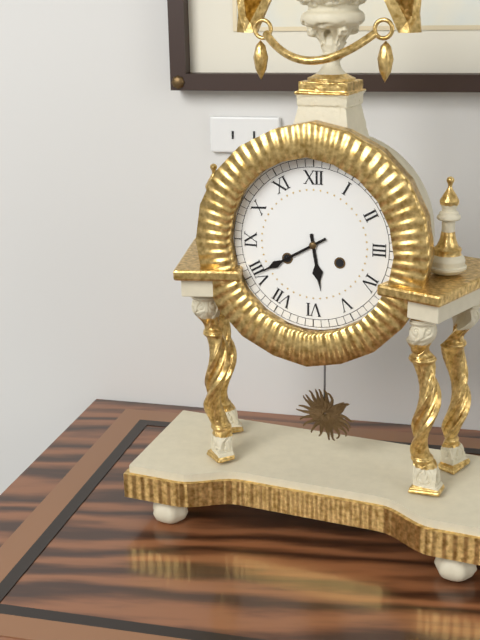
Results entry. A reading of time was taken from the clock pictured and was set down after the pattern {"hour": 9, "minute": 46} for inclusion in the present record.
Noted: {"hour": 5, "minute": 40}
